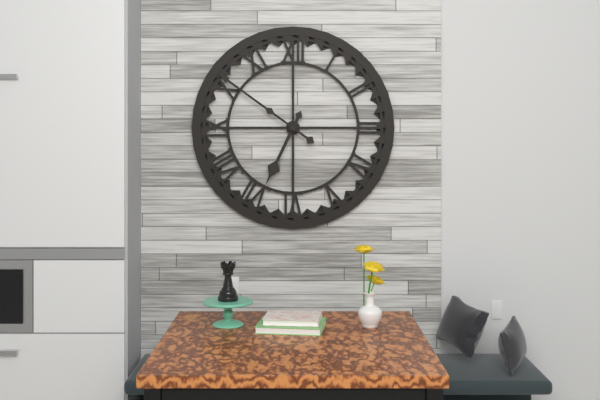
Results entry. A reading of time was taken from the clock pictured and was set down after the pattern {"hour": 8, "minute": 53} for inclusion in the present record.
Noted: {"hour": 6, "minute": 51}
